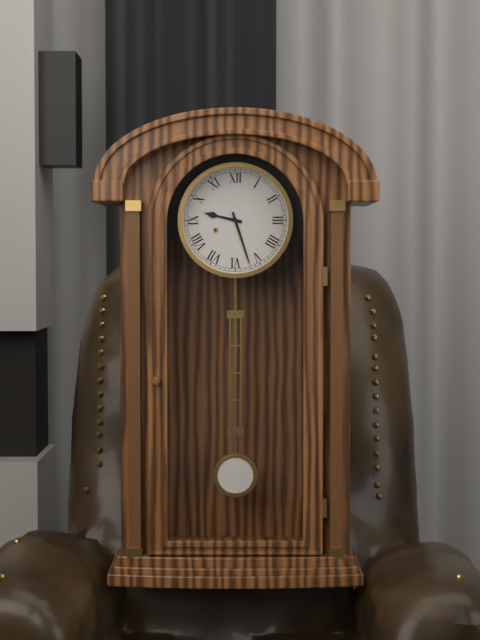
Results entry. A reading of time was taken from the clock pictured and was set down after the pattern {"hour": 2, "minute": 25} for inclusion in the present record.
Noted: {"hour": 9, "minute": 27}
